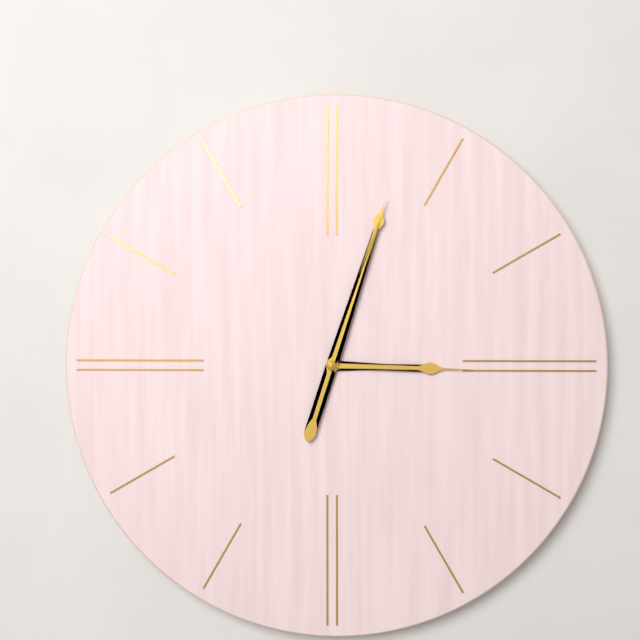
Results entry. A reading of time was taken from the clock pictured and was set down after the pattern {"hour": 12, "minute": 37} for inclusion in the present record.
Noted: {"hour": 3, "minute": 3}
